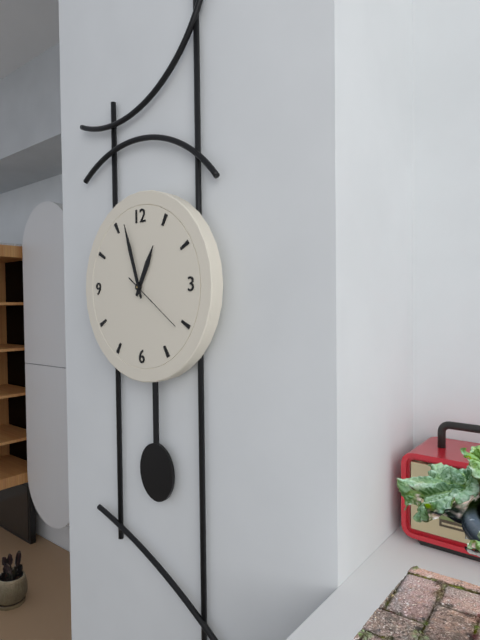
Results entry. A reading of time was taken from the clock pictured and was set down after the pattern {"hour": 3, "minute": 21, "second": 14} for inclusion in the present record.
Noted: {"hour": 12, "minute": 57, "second": 21}
